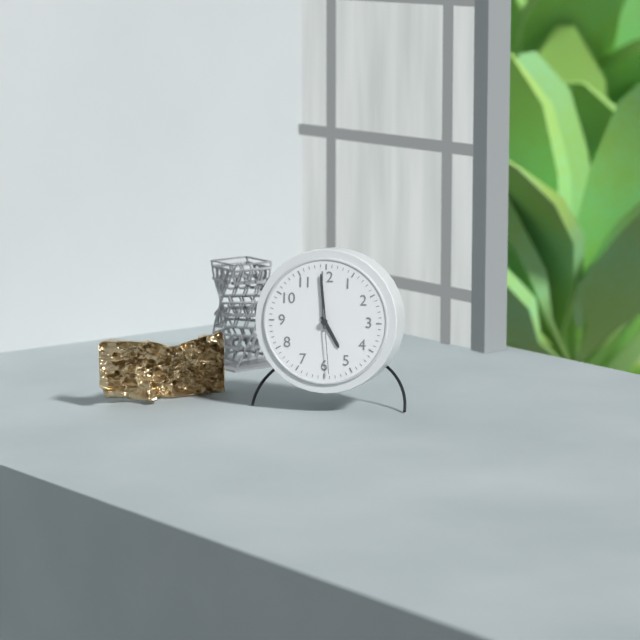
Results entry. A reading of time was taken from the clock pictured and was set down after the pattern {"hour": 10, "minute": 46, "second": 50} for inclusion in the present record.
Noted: {"hour": 4, "minute": 59, "second": 29}
